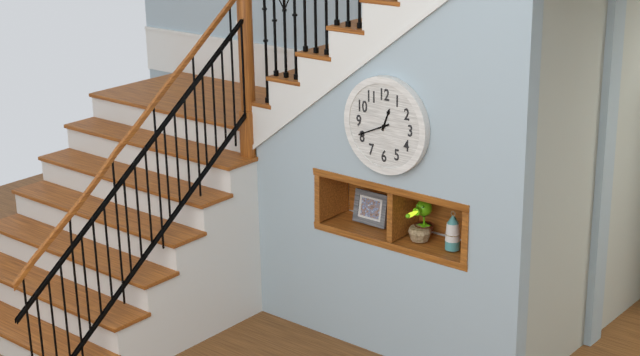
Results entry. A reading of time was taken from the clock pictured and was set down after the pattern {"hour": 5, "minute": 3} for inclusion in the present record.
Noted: {"hour": 12, "minute": 41}
